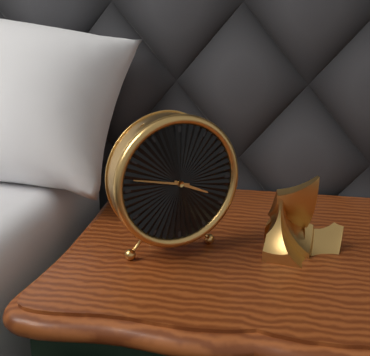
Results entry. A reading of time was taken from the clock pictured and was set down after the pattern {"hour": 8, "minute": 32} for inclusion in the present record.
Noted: {"hour": 3, "minute": 47}
